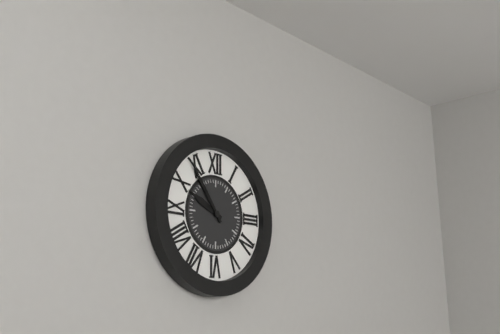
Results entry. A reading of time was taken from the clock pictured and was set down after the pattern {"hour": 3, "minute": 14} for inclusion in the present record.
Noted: {"hour": 9, "minute": 54}
